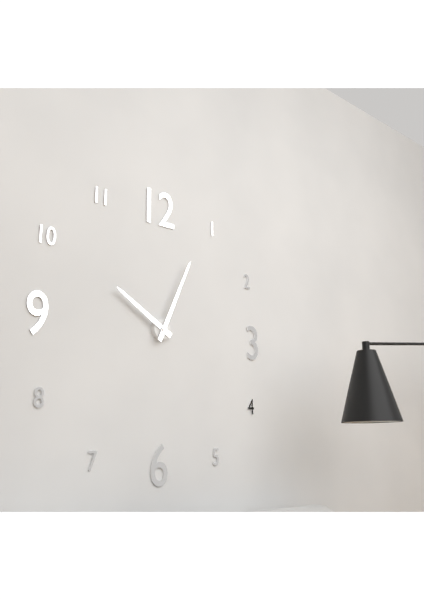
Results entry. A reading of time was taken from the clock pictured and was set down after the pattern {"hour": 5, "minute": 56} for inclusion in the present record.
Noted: {"hour": 10, "minute": 4}
